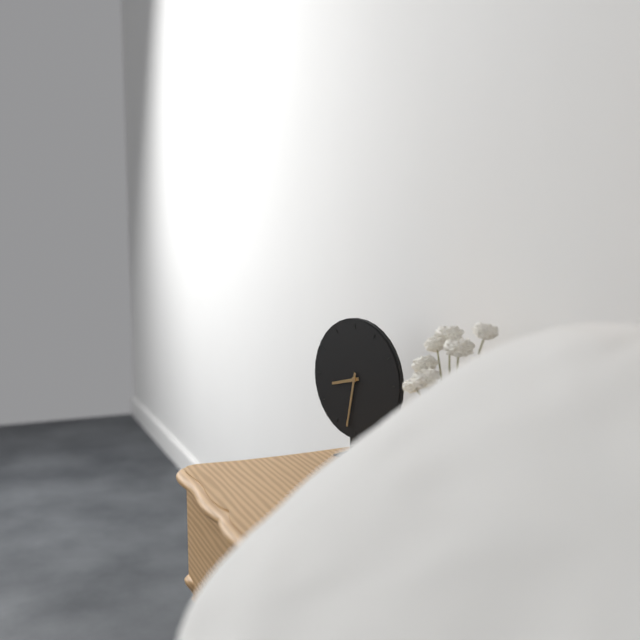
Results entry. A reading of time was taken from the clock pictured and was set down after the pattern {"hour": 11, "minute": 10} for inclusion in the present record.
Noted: {"hour": 8, "minute": 32}
